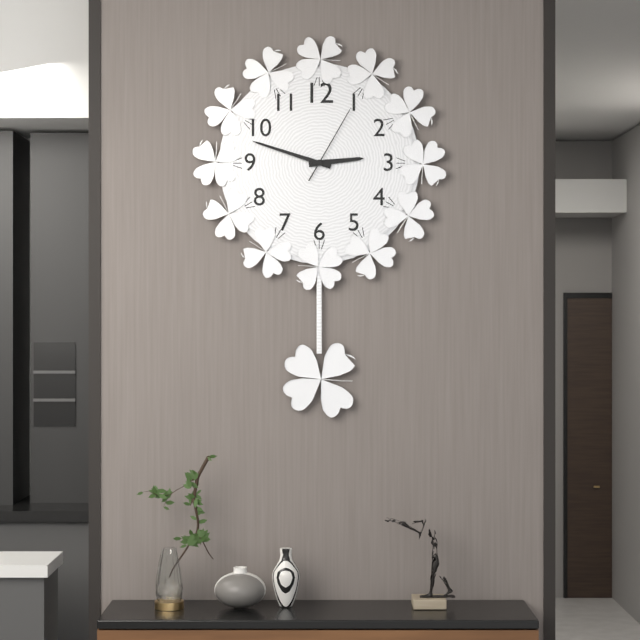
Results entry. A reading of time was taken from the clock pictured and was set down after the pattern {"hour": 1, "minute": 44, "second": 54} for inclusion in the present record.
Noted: {"hour": 2, "minute": 48, "second": 5}
